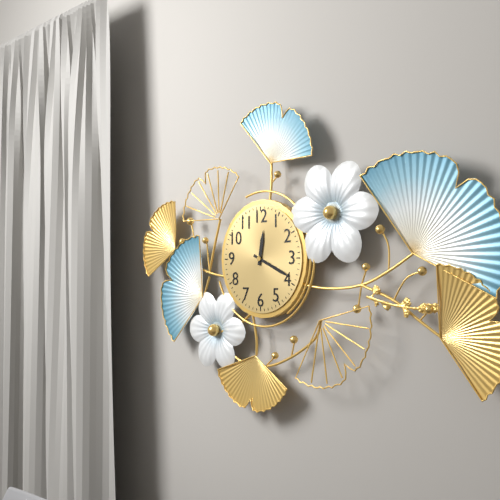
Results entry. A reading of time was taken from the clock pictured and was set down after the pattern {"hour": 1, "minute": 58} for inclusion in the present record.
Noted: {"hour": 12, "minute": 19}
